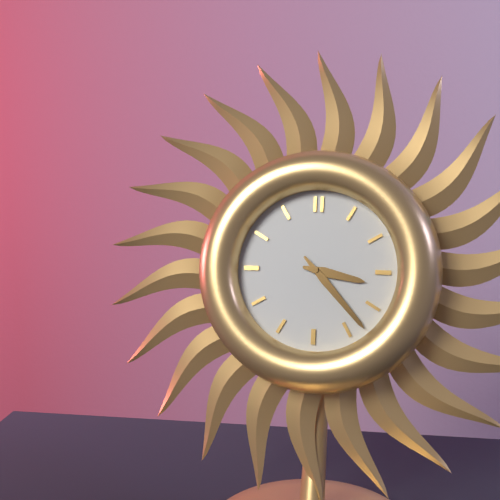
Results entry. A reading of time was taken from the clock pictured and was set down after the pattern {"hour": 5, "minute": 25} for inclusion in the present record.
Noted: {"hour": 3, "minute": 23}
